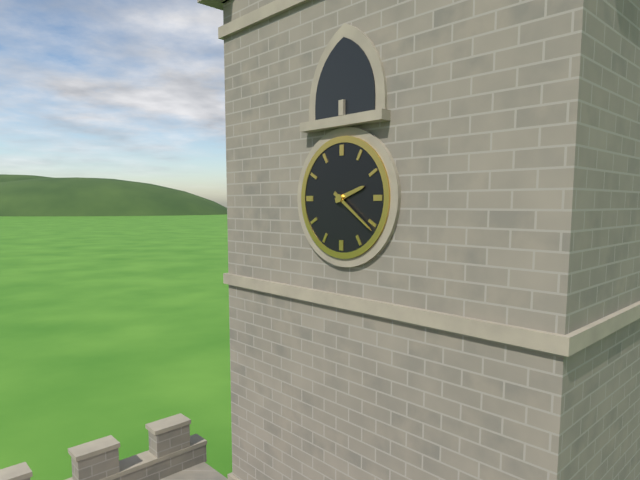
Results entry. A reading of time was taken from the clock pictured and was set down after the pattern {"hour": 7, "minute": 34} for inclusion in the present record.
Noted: {"hour": 2, "minute": 21}
